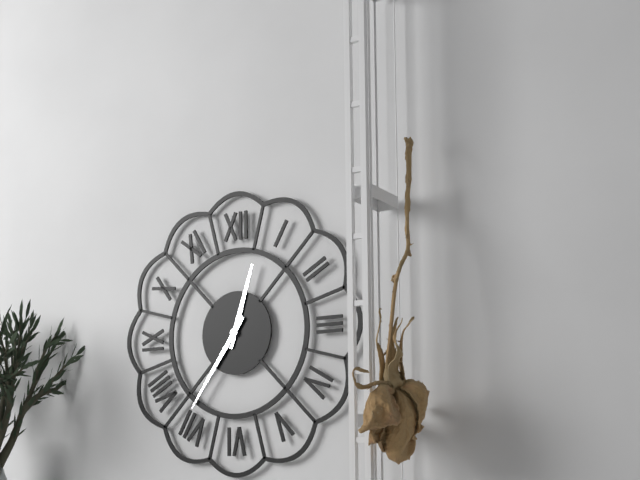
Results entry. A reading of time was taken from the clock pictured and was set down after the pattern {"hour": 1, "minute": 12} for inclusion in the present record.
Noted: {"hour": 12, "minute": 36}
